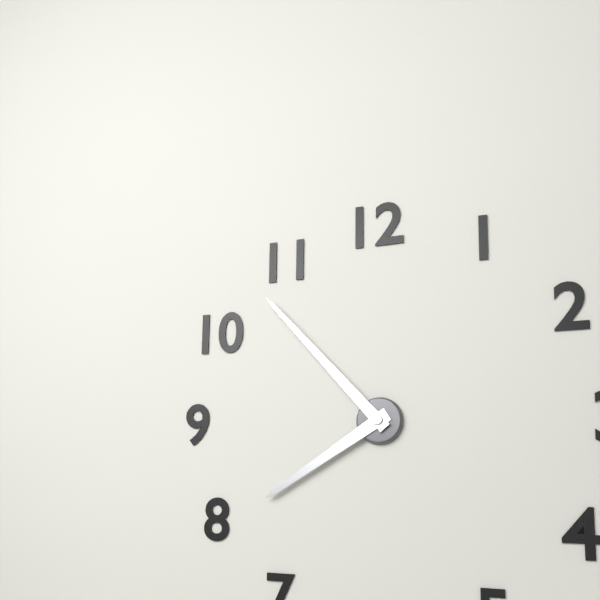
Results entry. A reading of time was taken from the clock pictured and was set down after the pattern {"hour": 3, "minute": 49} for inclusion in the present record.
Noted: {"hour": 7, "minute": 53}
